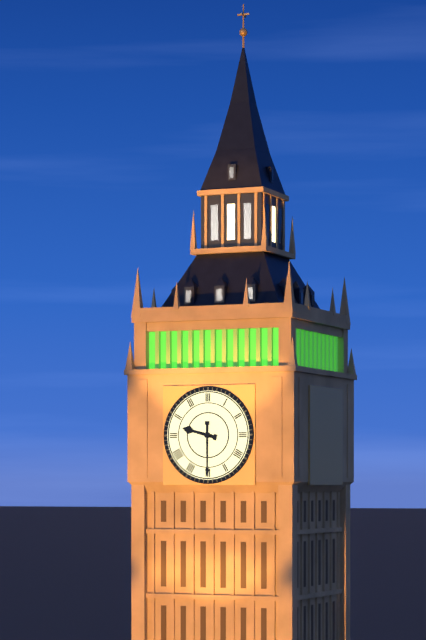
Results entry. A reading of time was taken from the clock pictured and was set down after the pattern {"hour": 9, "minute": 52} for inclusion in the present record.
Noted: {"hour": 9, "minute": 30}
